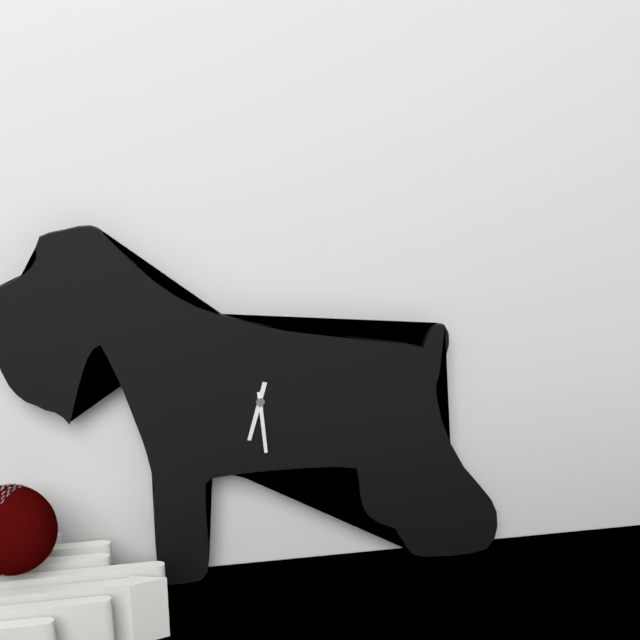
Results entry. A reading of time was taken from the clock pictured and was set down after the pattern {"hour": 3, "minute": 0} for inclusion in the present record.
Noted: {"hour": 6, "minute": 29}
